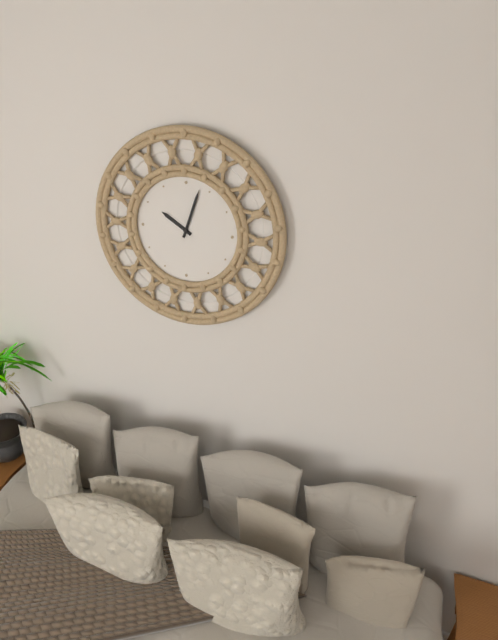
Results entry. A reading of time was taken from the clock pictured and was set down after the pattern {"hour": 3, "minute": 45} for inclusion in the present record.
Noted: {"hour": 10, "minute": 3}
